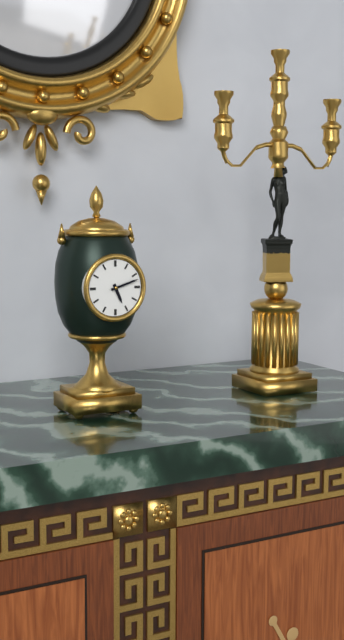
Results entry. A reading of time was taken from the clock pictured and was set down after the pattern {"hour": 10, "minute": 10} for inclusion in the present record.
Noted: {"hour": 5, "minute": 12}
